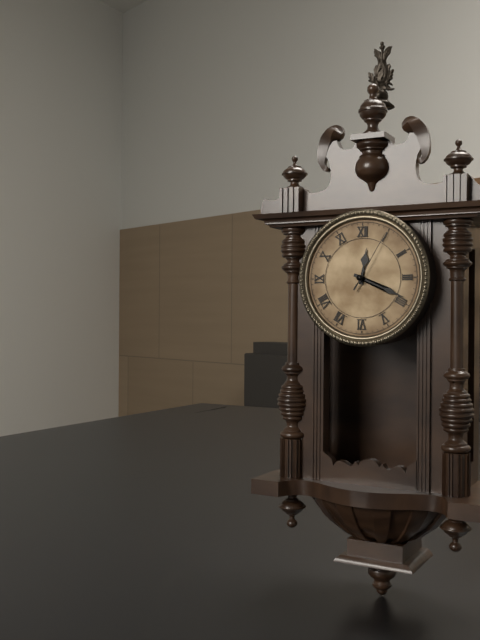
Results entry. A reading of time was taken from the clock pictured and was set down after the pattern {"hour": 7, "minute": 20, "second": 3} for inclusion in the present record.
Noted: {"hour": 12, "minute": 19, "second": 5}
